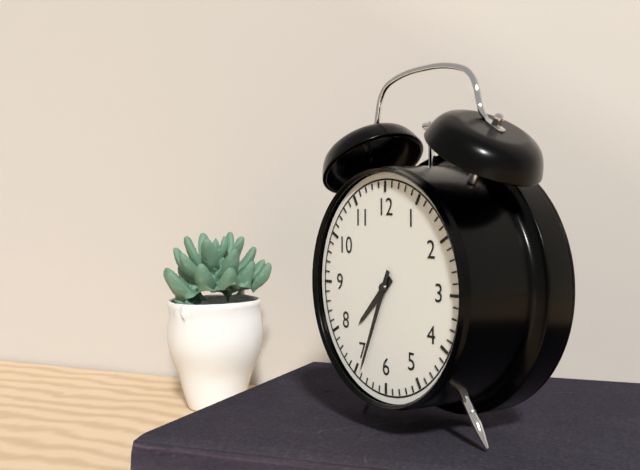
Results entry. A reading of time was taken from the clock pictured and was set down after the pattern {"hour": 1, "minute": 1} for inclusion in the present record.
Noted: {"hour": 7, "minute": 34}
